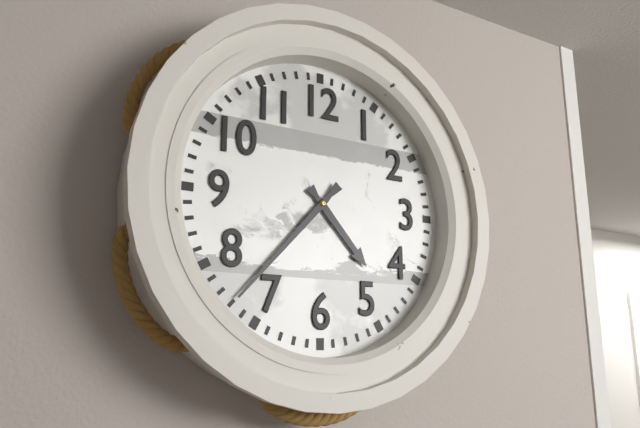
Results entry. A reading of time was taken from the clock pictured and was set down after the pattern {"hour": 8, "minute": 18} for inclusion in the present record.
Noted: {"hour": 4, "minute": 37}
